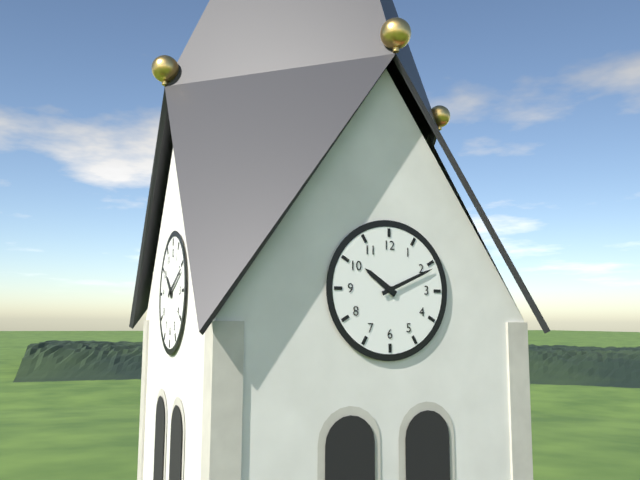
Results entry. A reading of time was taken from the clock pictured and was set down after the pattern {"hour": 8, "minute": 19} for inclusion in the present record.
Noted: {"hour": 10, "minute": 11}
